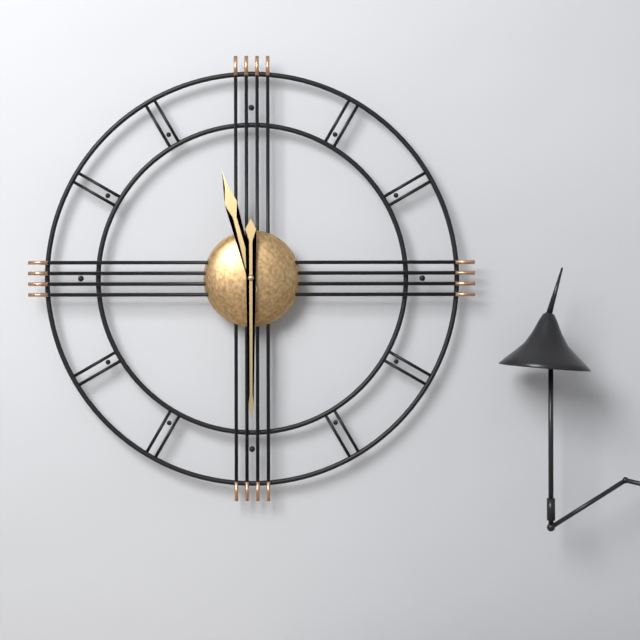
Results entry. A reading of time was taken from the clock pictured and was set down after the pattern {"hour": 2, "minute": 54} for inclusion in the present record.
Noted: {"hour": 11, "minute": 30}
